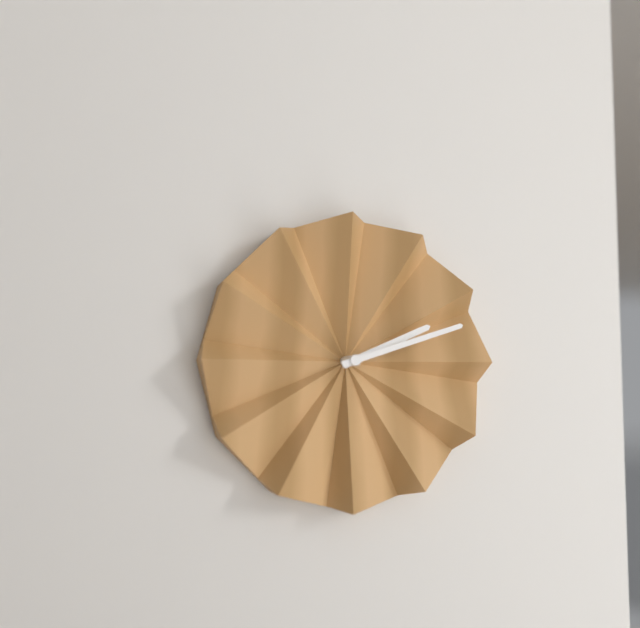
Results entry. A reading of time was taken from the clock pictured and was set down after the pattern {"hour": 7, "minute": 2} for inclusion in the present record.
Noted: {"hour": 2, "minute": 12}
